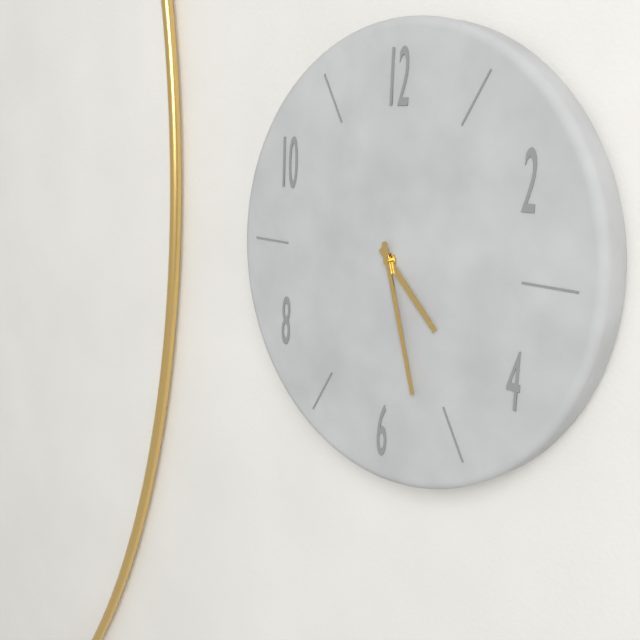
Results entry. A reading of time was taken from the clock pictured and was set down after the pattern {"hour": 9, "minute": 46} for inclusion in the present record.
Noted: {"hour": 4, "minute": 27}
